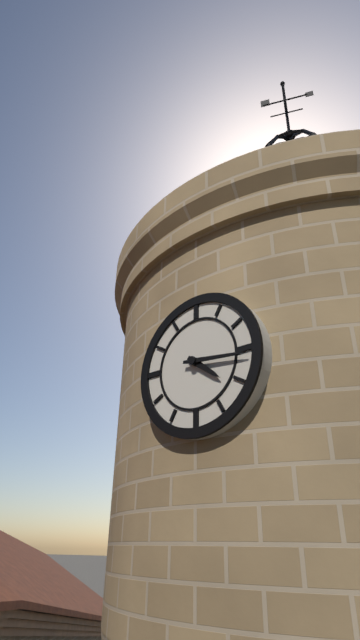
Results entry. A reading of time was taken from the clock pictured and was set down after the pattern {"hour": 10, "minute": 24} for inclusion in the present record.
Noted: {"hour": 4, "minute": 16}
